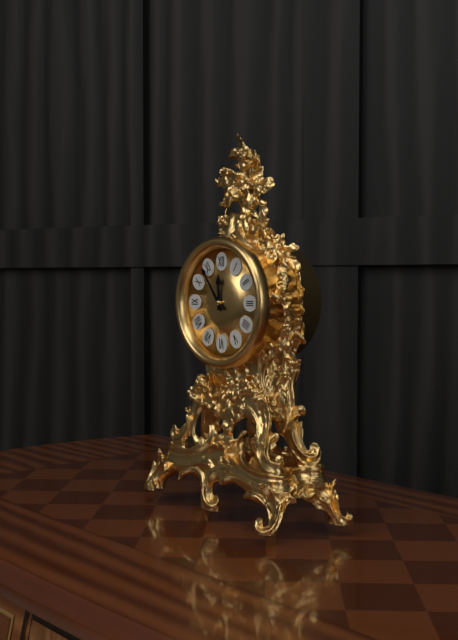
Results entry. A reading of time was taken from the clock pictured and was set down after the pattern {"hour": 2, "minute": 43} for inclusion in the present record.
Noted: {"hour": 11, "minute": 54}
